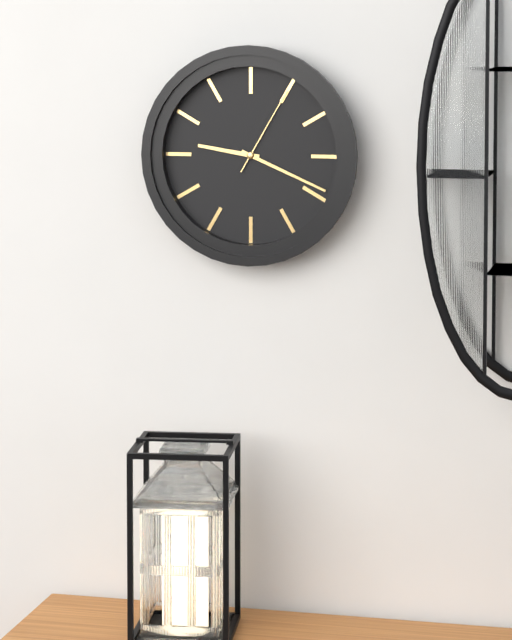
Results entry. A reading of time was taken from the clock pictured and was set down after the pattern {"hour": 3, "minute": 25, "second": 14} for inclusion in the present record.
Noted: {"hour": 9, "minute": 19, "second": 5}
